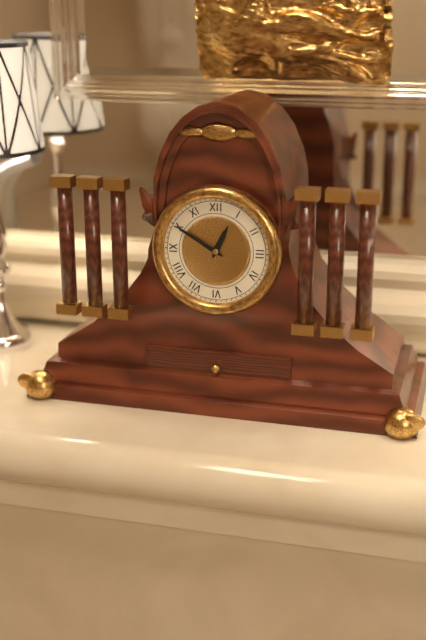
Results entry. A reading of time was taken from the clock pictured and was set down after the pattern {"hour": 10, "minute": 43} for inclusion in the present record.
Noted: {"hour": 12, "minute": 50}
